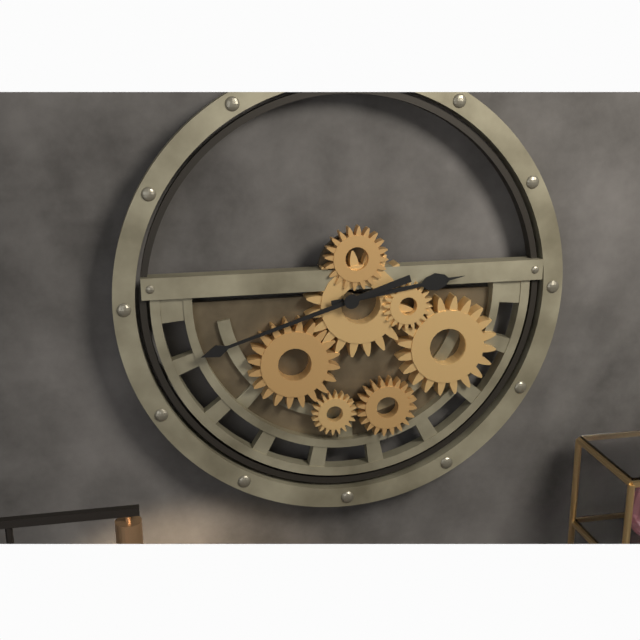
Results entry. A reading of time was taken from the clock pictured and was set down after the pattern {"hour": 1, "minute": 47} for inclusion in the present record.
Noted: {"hour": 2, "minute": 42}
